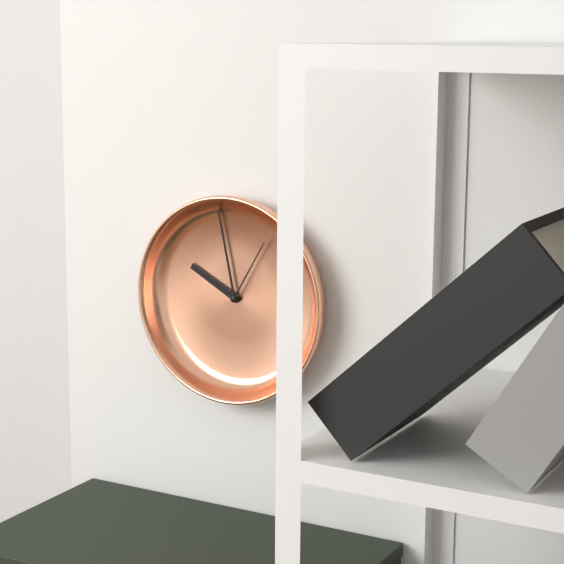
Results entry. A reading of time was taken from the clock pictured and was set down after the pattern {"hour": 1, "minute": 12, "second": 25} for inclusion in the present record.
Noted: {"hour": 9, "minute": 58, "second": 5}
